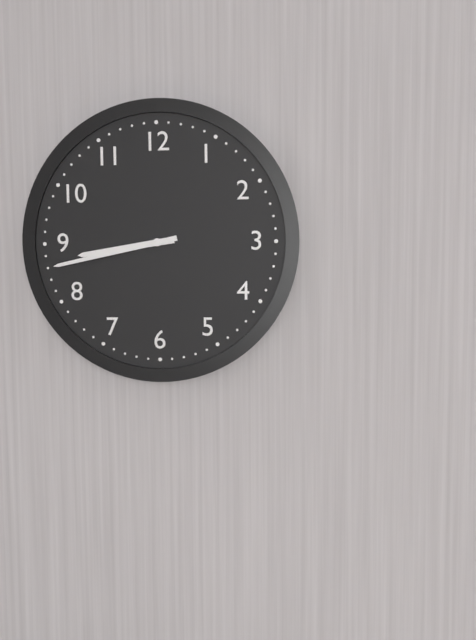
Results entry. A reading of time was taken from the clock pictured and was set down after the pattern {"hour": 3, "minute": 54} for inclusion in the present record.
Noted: {"hour": 8, "minute": 43}
